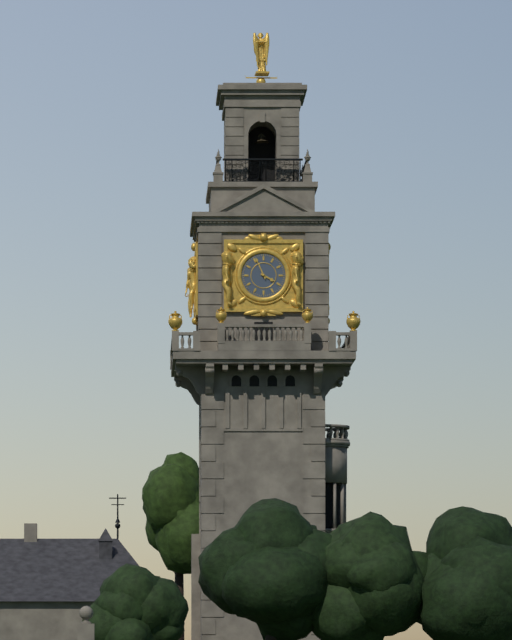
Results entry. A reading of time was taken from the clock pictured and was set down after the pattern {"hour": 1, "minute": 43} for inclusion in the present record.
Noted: {"hour": 3, "minute": 56}
